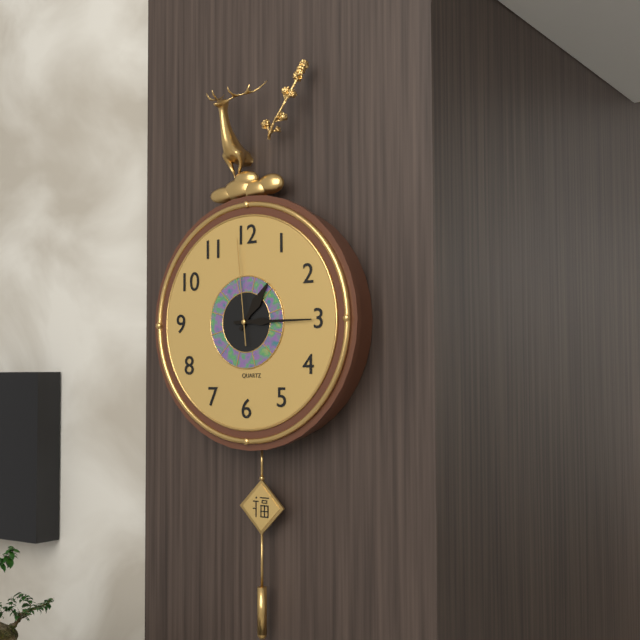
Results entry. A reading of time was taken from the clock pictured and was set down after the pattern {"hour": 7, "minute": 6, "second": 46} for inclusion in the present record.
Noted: {"hour": 1, "minute": 15, "second": 59}
